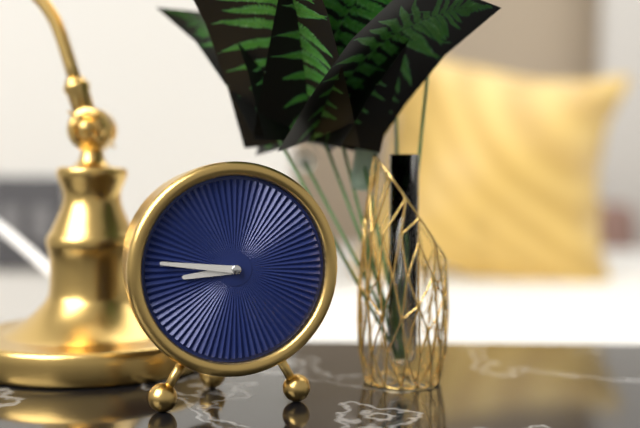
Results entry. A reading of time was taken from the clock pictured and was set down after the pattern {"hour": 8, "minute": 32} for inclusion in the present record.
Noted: {"hour": 8, "minute": 46}
